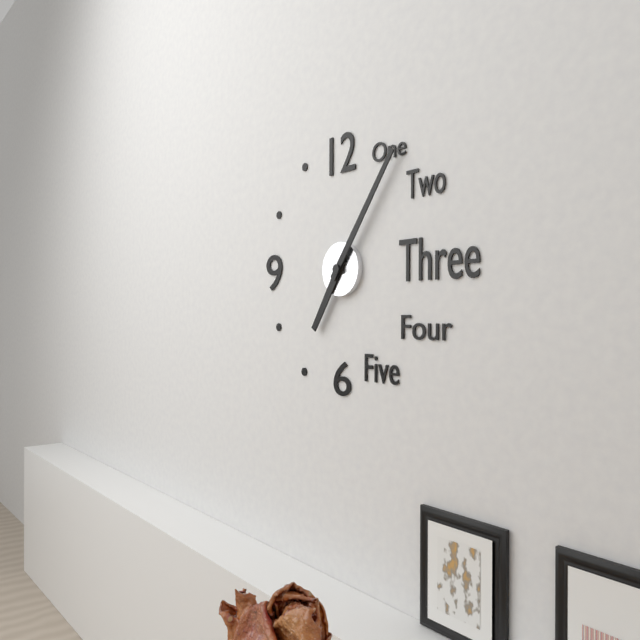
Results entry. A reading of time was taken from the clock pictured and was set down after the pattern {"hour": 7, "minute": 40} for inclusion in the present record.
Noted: {"hour": 7, "minute": 6}
